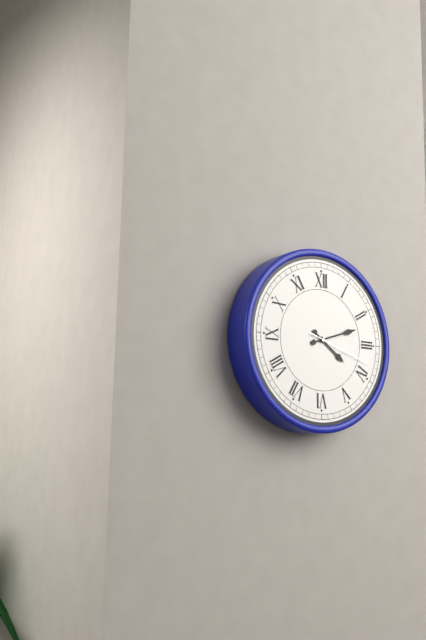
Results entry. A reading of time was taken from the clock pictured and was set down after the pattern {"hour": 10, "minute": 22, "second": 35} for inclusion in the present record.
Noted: {"hour": 4, "minute": 12, "second": 18}
